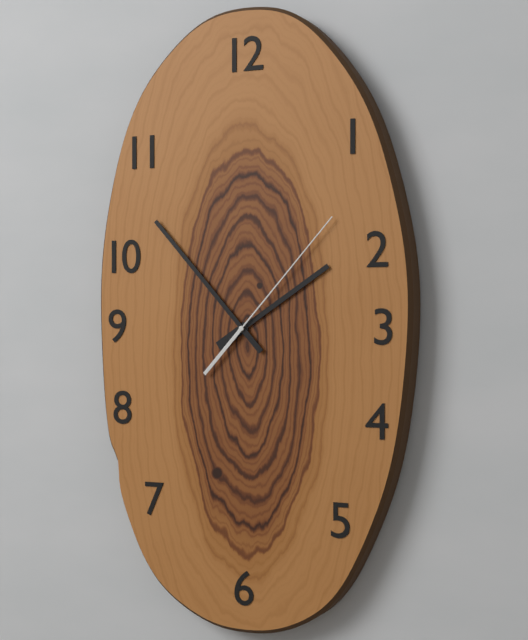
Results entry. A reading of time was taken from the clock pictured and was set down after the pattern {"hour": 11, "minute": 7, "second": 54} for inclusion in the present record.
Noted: {"hour": 1, "minute": 53, "second": 7}
